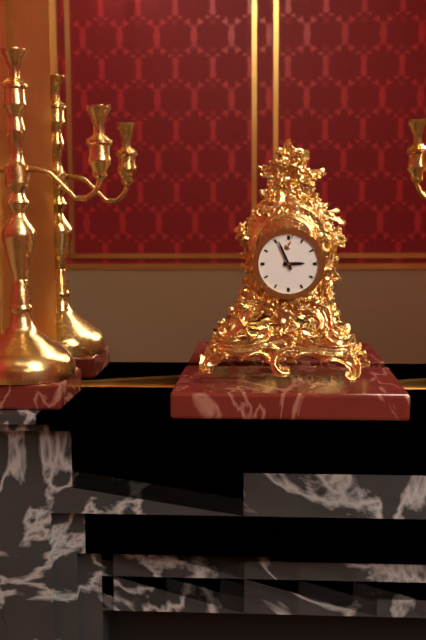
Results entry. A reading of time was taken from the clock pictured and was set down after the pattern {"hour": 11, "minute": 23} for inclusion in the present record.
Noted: {"hour": 2, "minute": 56}
